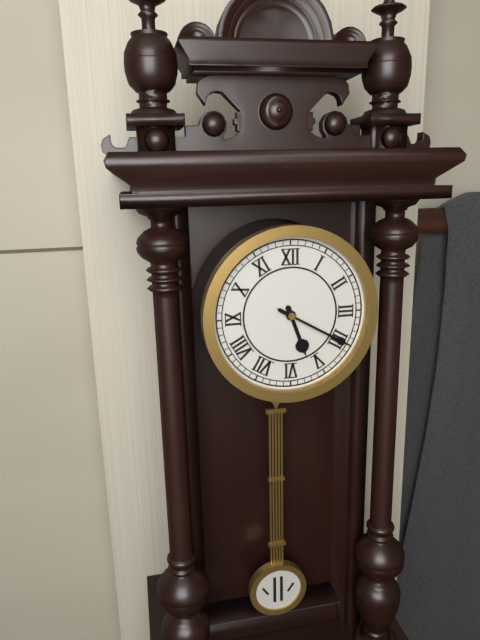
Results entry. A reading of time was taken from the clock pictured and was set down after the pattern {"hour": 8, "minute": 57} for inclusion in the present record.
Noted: {"hour": 5, "minute": 20}
